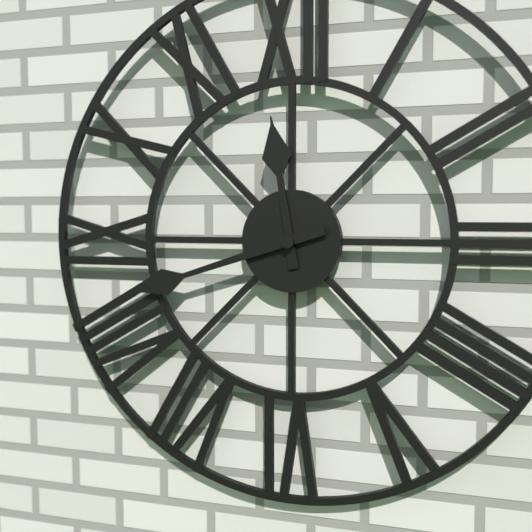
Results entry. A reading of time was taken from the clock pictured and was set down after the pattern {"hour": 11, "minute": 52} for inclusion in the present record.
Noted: {"hour": 11, "minute": 42}
